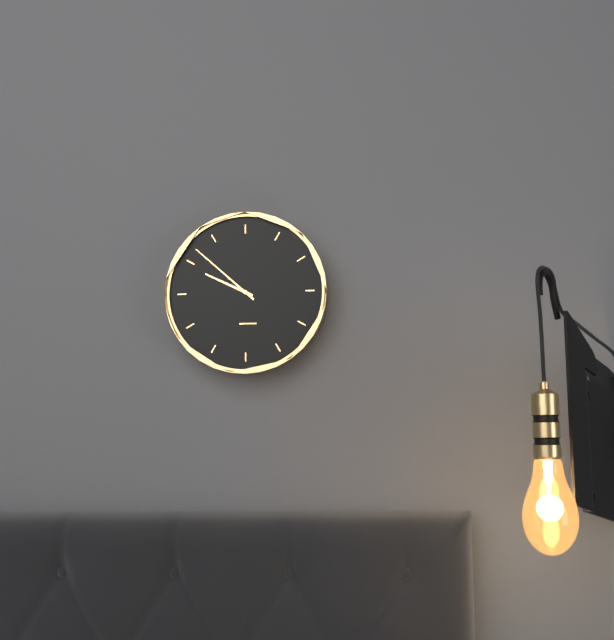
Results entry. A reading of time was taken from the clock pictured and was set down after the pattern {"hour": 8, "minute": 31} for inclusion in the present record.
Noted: {"hour": 9, "minute": 52}
